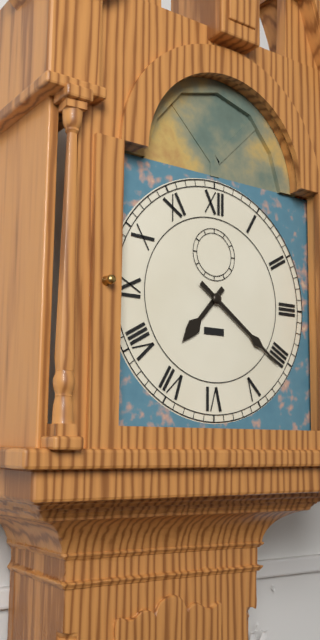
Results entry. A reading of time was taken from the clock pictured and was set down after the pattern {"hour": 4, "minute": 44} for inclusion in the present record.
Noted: {"hour": 7, "minute": 21}
